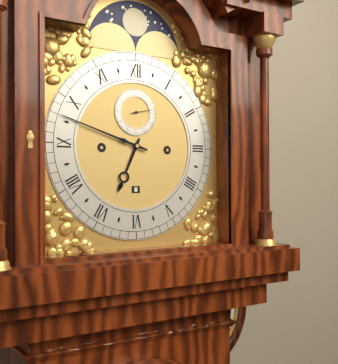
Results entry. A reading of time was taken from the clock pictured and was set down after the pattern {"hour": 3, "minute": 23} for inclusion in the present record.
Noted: {"hour": 6, "minute": 48}
